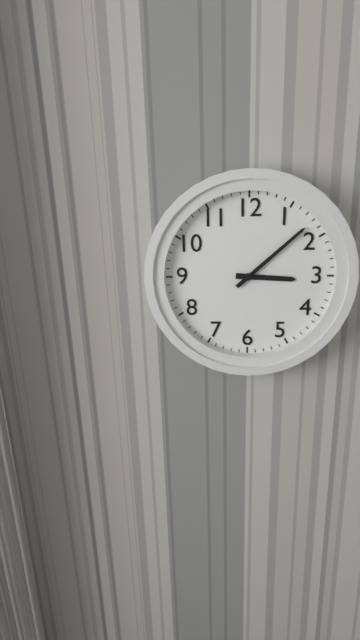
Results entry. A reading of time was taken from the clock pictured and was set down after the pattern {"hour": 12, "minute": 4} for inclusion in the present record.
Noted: {"hour": 3, "minute": 8}
